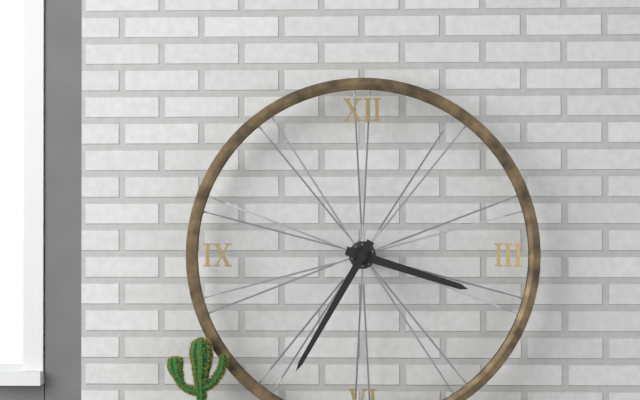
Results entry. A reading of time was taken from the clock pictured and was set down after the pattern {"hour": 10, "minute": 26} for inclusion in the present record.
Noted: {"hour": 3, "minute": 35}
